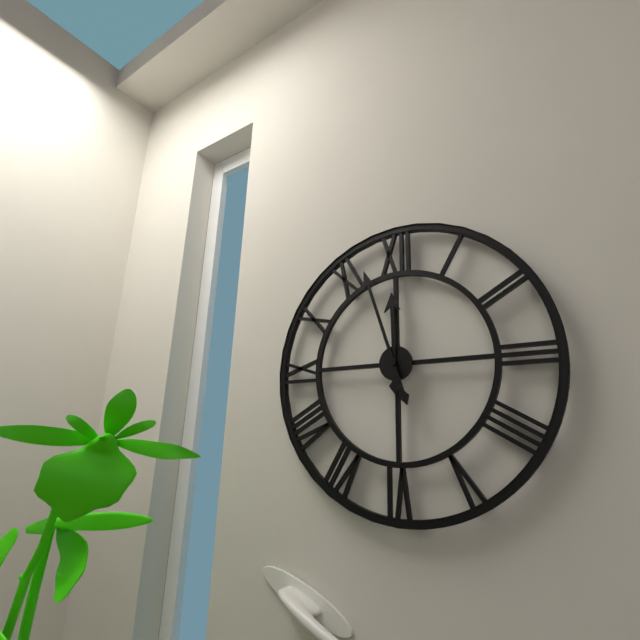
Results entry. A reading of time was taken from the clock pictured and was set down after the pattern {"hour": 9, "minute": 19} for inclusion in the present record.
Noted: {"hour": 11, "minute": 57}
